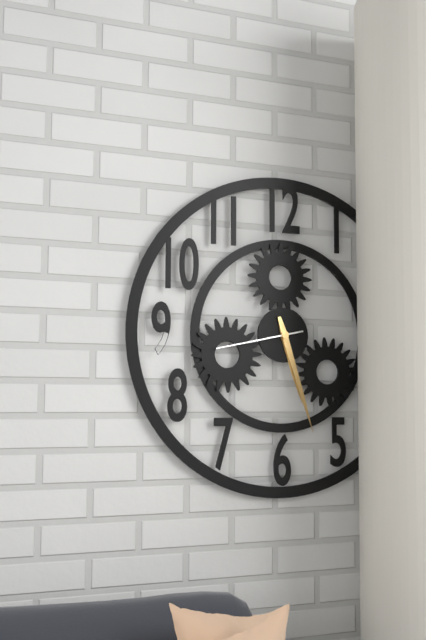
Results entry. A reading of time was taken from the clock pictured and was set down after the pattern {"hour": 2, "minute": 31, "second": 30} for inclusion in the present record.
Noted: {"hour": 5, "minute": 27, "second": 43}
